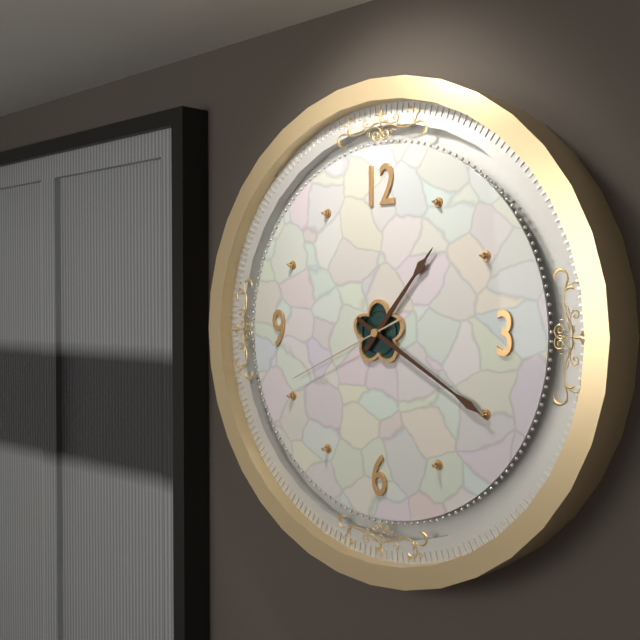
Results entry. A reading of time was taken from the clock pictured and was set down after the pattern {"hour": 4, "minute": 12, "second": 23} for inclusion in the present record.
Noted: {"hour": 1, "minute": 20, "second": 41}
